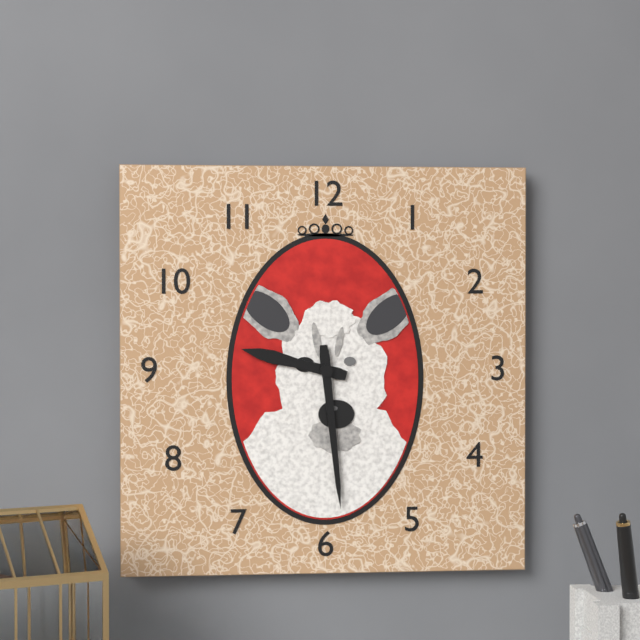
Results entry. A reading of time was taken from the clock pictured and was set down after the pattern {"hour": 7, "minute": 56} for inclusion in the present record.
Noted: {"hour": 9, "minute": 29}
